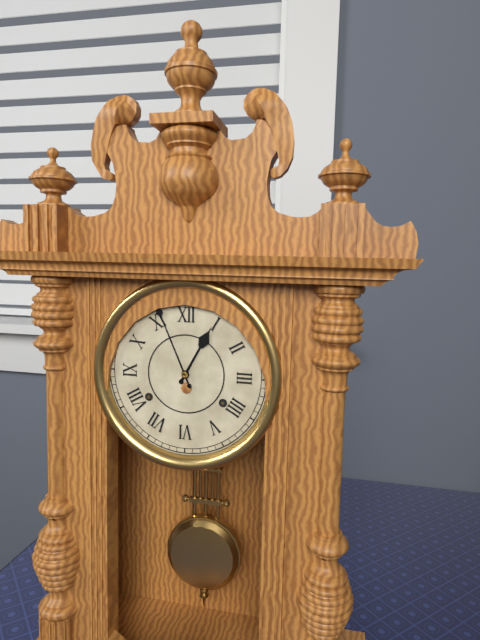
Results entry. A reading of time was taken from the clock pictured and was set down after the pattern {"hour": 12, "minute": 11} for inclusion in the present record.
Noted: {"hour": 12, "minute": 56}
